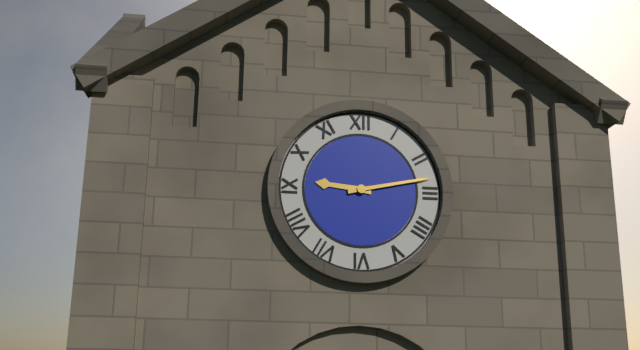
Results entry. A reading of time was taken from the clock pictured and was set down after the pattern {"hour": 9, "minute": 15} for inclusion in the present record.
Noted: {"hour": 9, "minute": 13}
